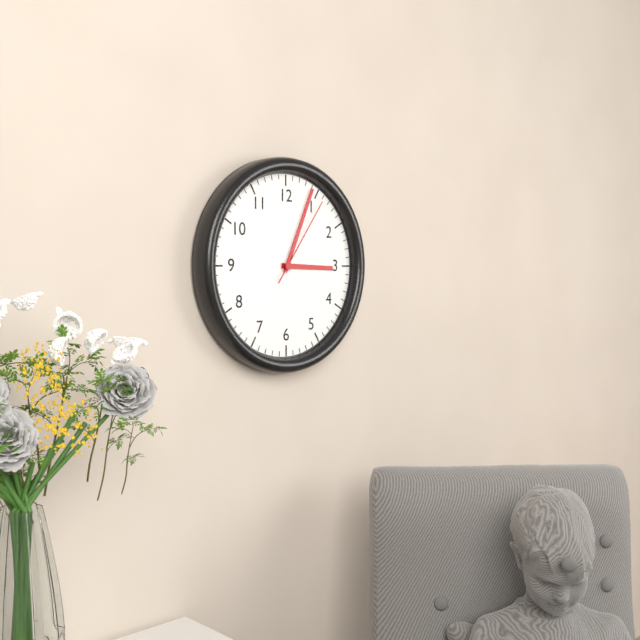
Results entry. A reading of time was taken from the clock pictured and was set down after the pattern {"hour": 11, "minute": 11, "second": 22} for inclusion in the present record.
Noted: {"hour": 3, "minute": 4, "second": 6}
